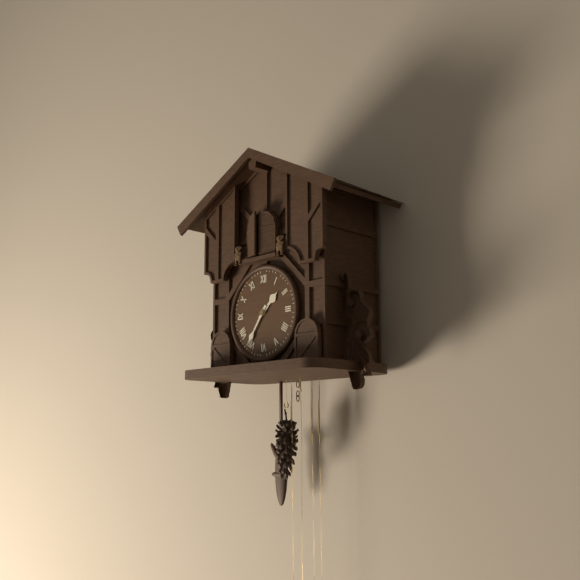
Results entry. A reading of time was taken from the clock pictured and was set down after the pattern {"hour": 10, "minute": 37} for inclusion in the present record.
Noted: {"hour": 1, "minute": 36}
